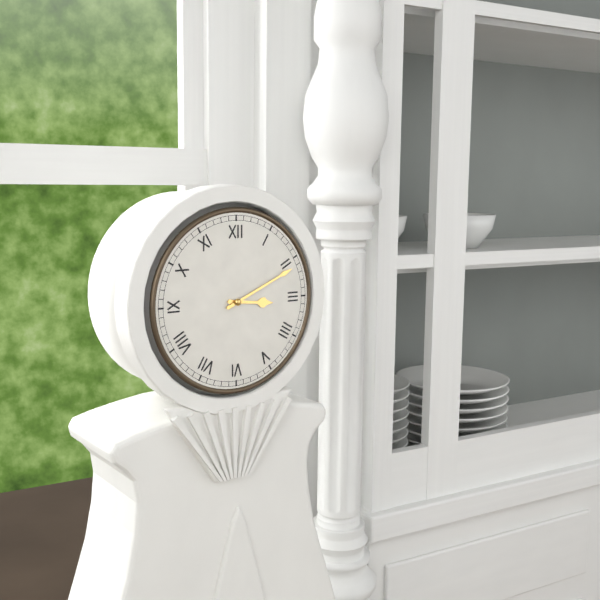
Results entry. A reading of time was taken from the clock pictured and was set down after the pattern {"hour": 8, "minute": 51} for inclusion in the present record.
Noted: {"hour": 3, "minute": 11}
